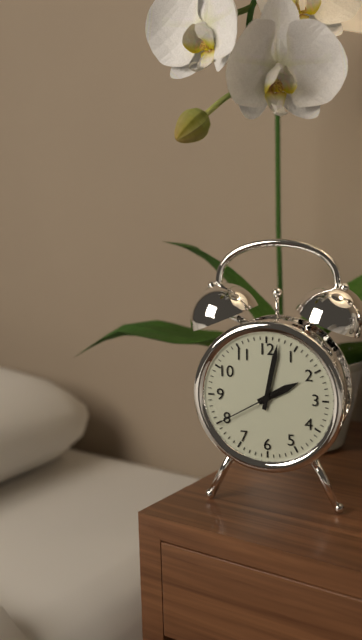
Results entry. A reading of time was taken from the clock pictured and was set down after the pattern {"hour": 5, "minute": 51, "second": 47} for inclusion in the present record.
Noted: {"hour": 2, "minute": 2, "second": 40}
